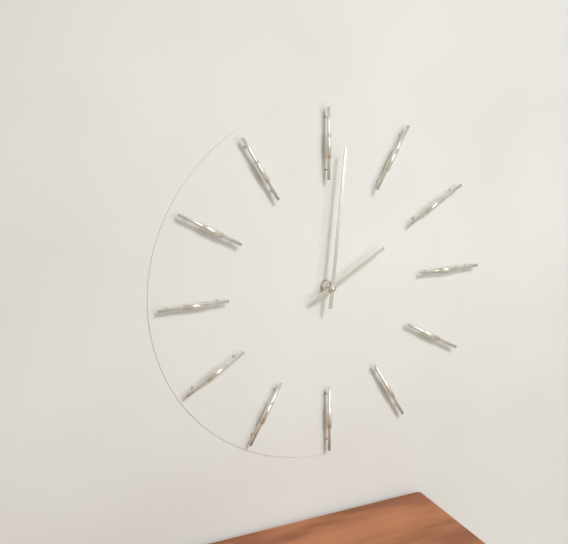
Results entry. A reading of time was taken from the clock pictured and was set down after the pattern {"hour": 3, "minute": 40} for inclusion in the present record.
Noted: {"hour": 2, "minute": 1}
